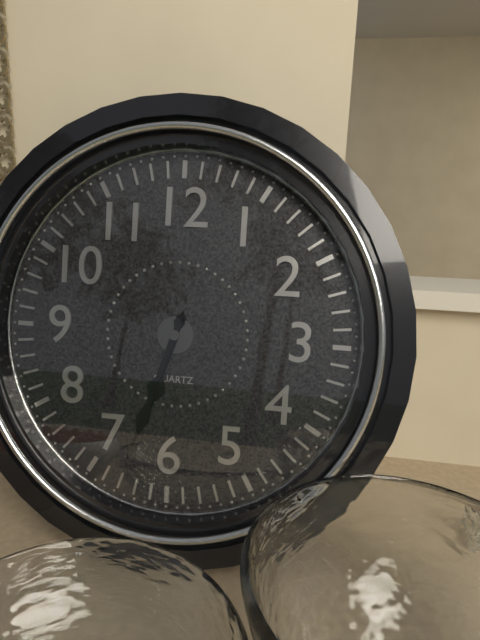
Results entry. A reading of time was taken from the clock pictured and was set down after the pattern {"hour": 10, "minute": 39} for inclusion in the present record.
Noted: {"hour": 6, "minute": 33}
